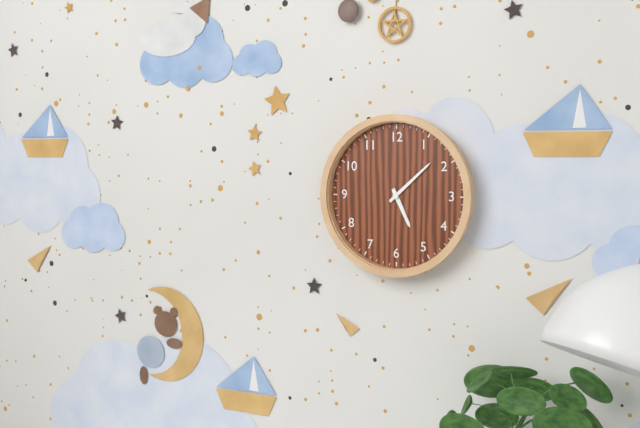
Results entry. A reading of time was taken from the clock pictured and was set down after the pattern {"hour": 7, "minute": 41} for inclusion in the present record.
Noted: {"hour": 5, "minute": 8}
